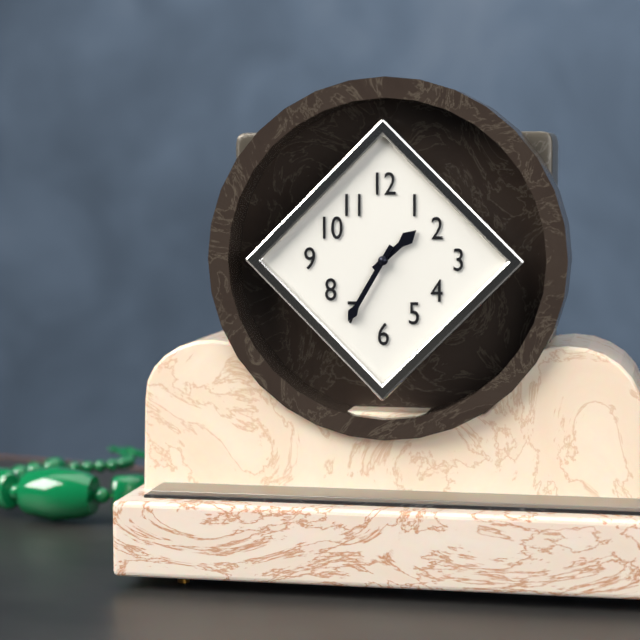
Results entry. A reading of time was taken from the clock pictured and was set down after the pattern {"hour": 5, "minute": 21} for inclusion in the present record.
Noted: {"hour": 1, "minute": 35}
